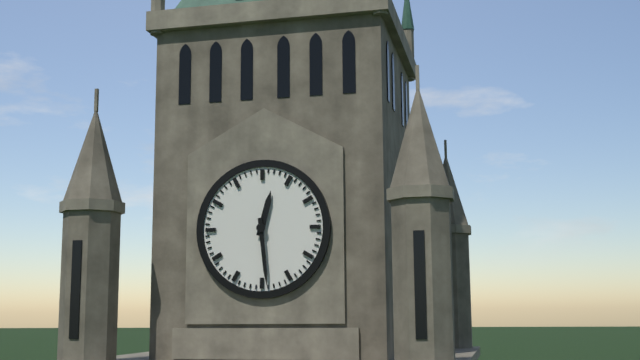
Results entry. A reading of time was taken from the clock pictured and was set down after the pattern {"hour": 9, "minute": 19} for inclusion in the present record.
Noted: {"hour": 12, "minute": 29}
